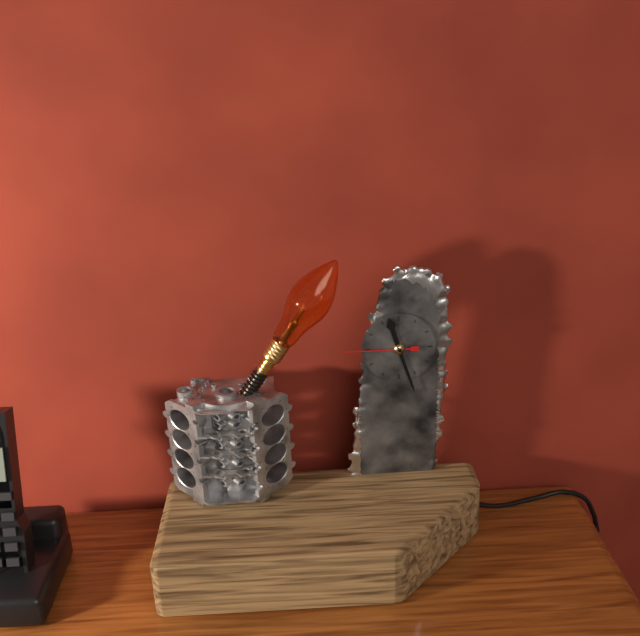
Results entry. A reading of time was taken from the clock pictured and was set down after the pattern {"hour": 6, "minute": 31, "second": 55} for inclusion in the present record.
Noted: {"hour": 11, "minute": 27, "second": 45}
